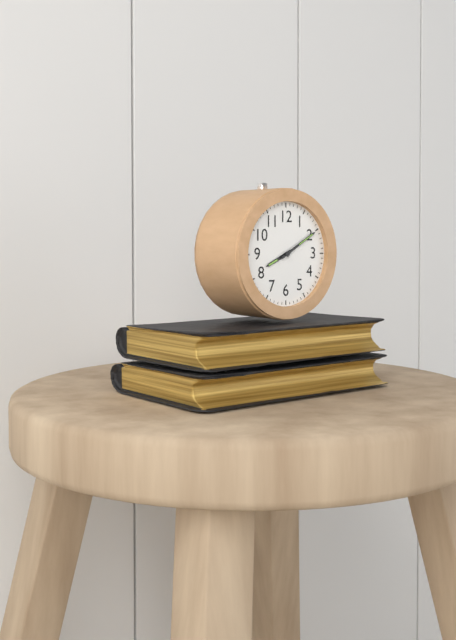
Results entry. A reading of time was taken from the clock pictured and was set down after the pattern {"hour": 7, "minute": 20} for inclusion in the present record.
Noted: {"hour": 8, "minute": 10}
